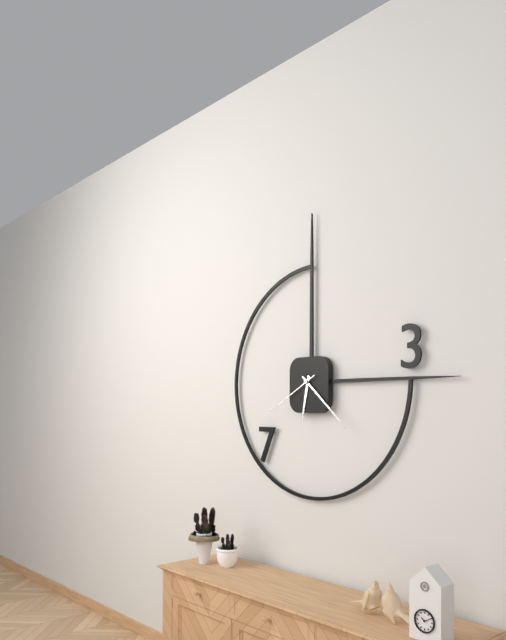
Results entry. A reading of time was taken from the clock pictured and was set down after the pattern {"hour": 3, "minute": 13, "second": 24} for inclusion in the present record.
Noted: {"hour": 6, "minute": 22, "second": 40}
